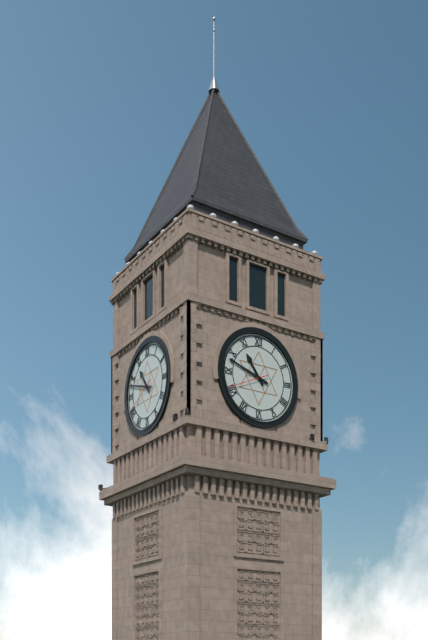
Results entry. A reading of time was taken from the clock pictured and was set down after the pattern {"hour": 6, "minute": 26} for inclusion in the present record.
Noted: {"hour": 10, "minute": 48}
